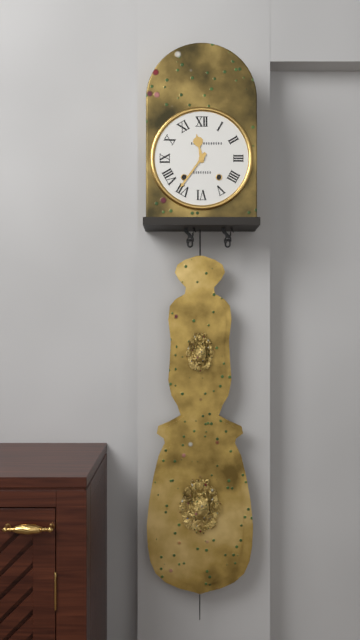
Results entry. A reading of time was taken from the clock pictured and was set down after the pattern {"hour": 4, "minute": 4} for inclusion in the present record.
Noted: {"hour": 11, "minute": 36}
